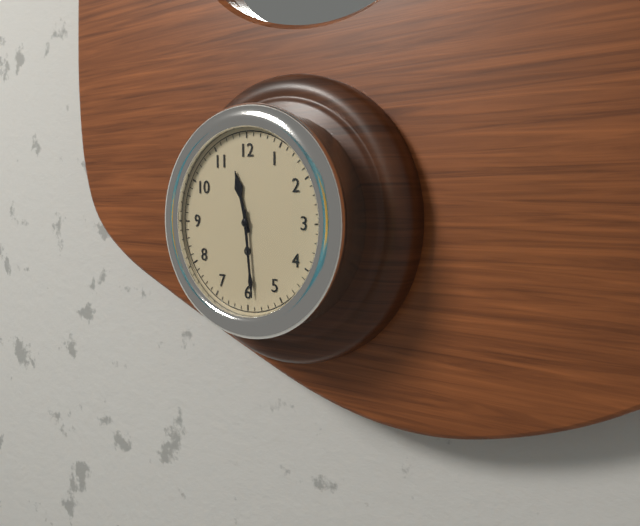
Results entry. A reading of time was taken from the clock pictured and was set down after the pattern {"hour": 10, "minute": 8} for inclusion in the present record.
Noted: {"hour": 11, "minute": 29}
